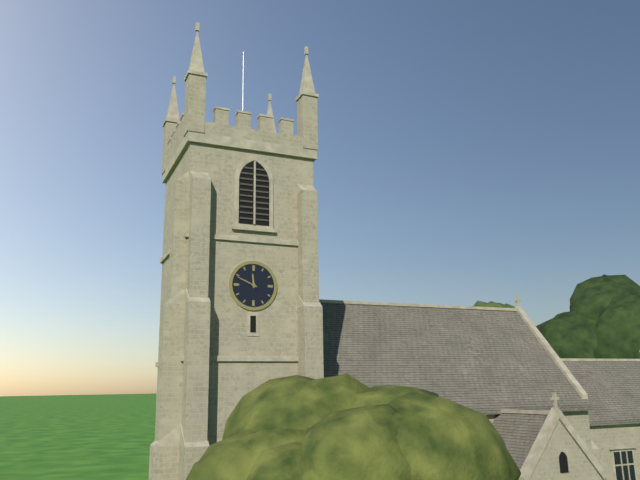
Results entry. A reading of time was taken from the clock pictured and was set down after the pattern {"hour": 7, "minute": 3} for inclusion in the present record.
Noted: {"hour": 11, "minute": 49}
